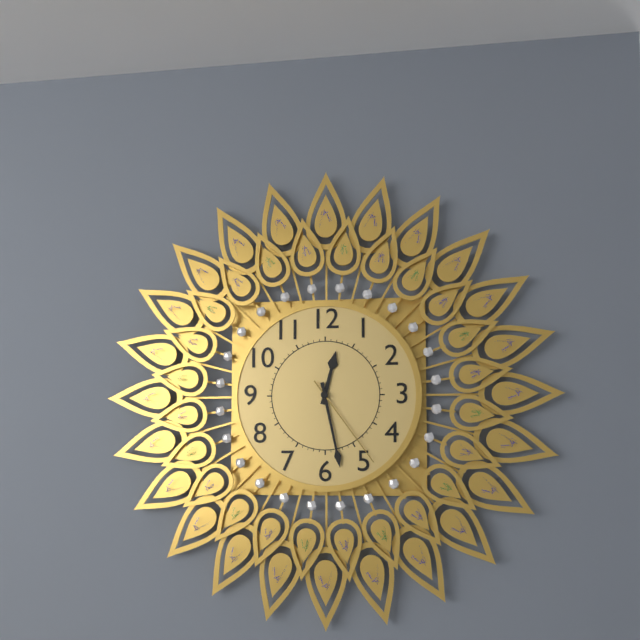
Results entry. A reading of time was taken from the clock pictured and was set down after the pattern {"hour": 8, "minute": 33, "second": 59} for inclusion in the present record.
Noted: {"hour": 12, "minute": 28, "second": 24}
